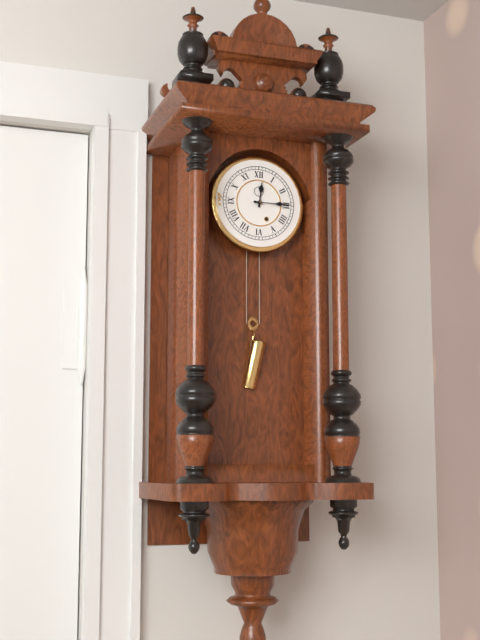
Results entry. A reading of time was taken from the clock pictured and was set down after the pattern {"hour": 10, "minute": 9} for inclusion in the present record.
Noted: {"hour": 12, "minute": 15}
